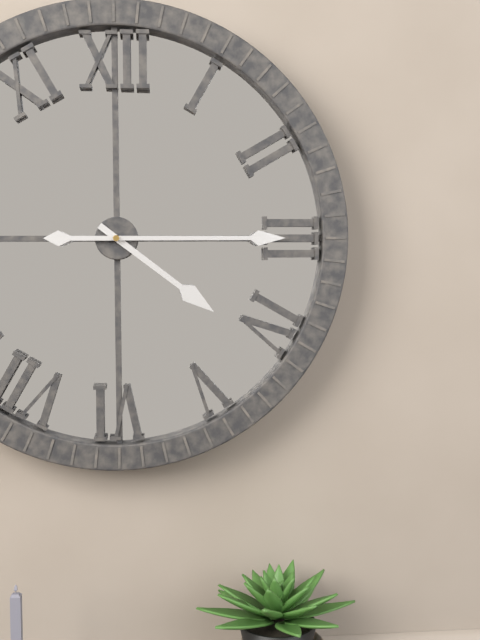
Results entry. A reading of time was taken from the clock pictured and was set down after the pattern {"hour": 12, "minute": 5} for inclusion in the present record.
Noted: {"hour": 4, "minute": 15}
